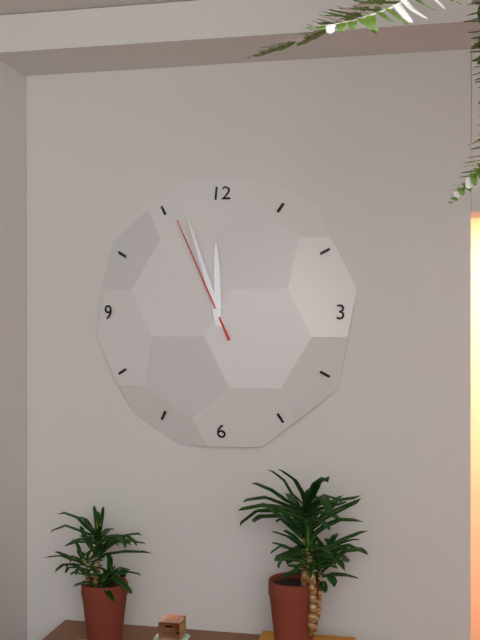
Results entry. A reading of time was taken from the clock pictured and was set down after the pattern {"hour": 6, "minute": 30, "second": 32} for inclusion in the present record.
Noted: {"hour": 11, "minute": 57, "second": 56}
